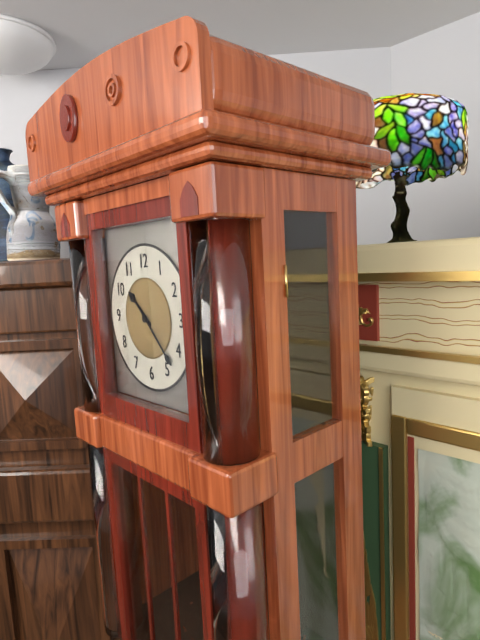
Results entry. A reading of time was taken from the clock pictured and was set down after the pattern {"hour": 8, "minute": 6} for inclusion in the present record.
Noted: {"hour": 10, "minute": 23}
